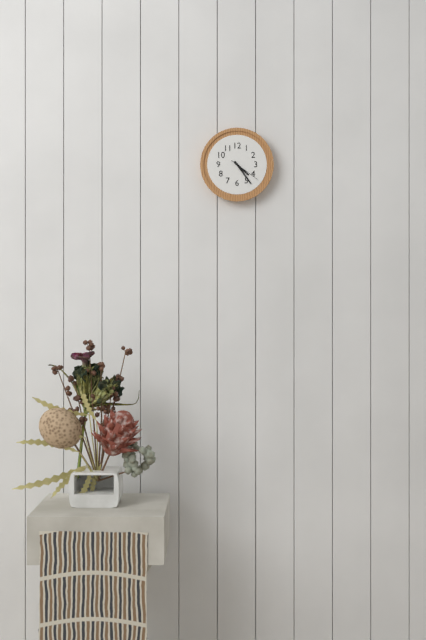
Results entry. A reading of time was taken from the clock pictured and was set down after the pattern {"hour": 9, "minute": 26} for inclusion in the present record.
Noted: {"hour": 4, "minute": 24}
